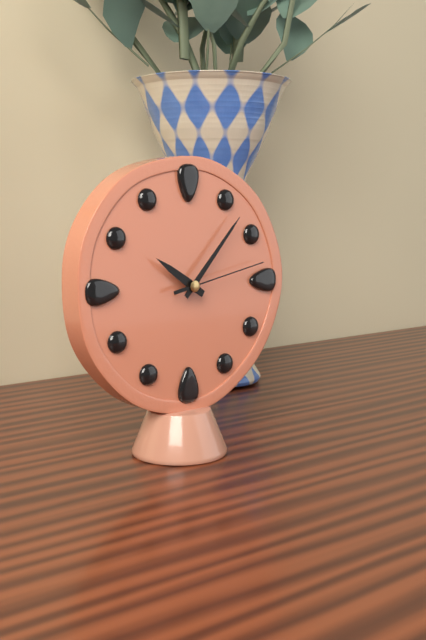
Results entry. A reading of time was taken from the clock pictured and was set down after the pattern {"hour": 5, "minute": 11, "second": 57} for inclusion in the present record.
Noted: {"hour": 10, "minute": 7, "second": 13}
